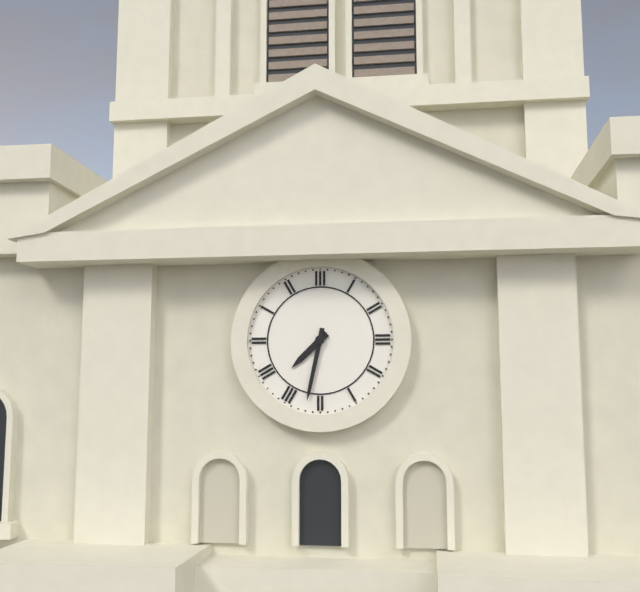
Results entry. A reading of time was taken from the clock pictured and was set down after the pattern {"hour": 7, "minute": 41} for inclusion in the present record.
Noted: {"hour": 7, "minute": 32}
